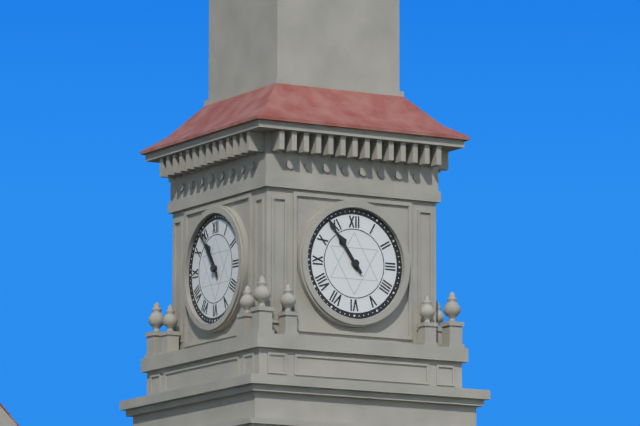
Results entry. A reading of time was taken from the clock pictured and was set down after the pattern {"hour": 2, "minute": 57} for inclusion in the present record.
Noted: {"hour": 10, "minute": 54}
